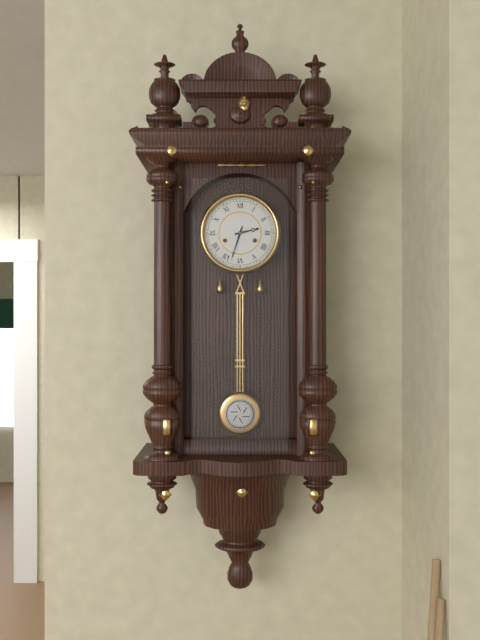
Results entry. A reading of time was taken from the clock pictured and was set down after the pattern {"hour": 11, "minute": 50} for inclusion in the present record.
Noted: {"hour": 2, "minute": 33}
